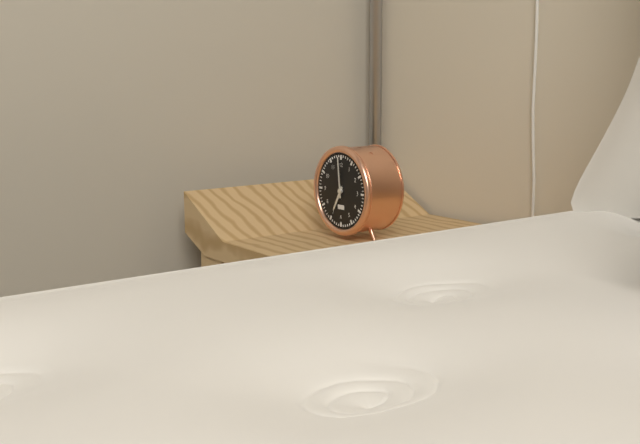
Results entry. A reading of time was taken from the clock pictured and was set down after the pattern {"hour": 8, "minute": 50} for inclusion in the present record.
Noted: {"hour": 6, "minute": 59}
